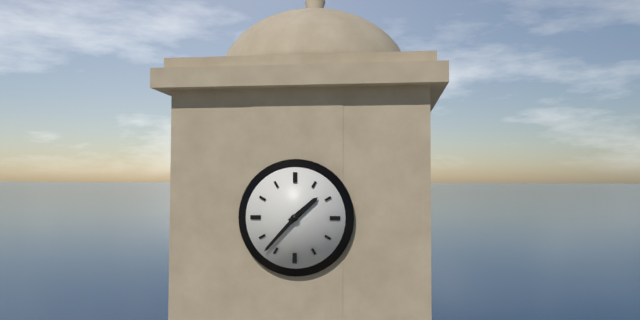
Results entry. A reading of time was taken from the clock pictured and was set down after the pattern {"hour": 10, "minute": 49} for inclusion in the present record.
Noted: {"hour": 1, "minute": 37}
